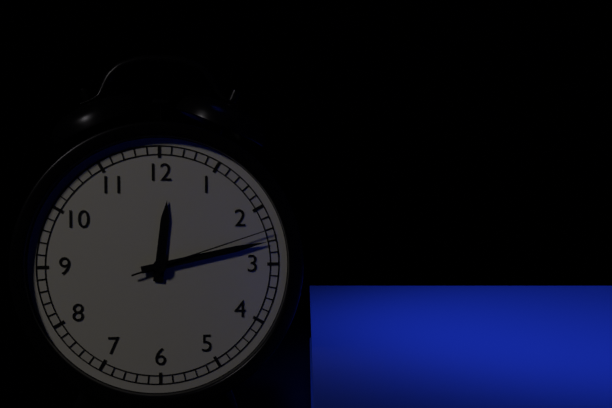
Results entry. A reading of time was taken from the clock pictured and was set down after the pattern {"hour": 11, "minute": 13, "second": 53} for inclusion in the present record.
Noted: {"hour": 12, "minute": 13, "second": 12}
